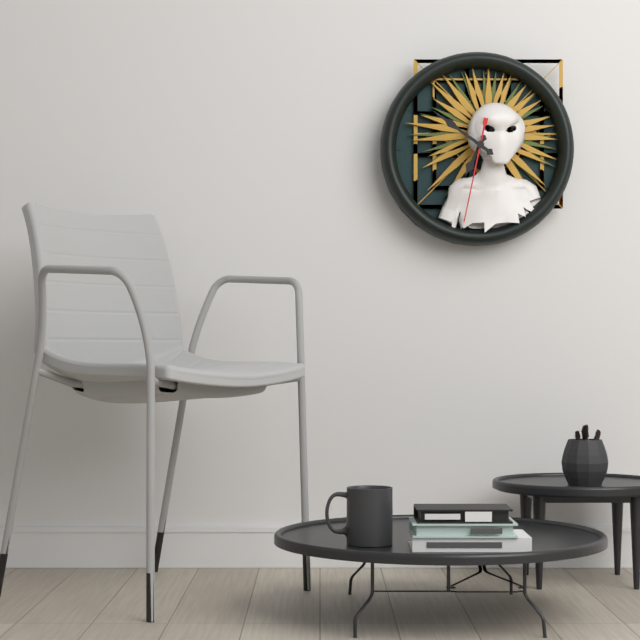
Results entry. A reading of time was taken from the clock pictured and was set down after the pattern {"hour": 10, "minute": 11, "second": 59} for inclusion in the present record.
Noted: {"hour": 6, "minute": 51, "second": 32}
